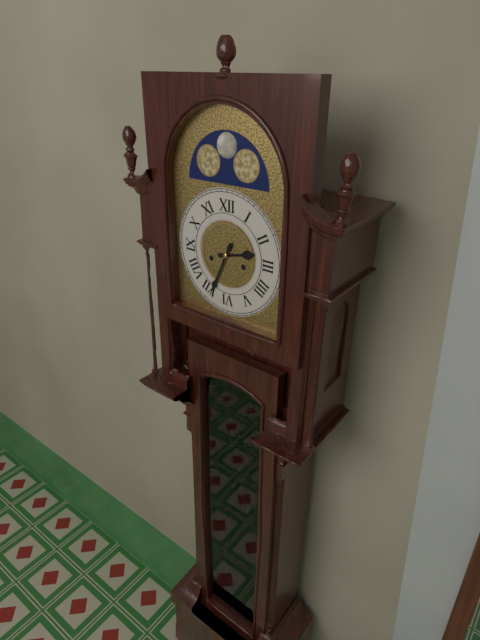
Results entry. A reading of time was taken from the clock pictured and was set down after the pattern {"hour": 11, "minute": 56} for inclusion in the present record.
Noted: {"hour": 2, "minute": 34}
